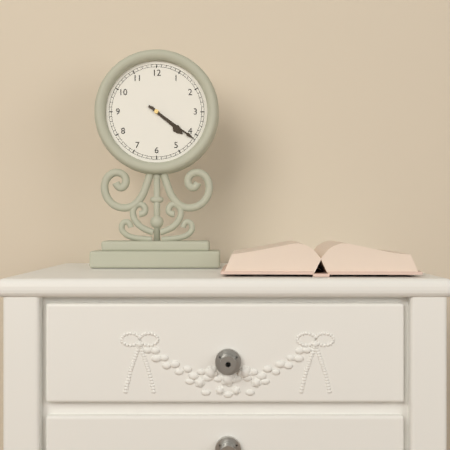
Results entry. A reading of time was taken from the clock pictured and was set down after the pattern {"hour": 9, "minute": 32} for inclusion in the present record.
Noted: {"hour": 4, "minute": 21}
